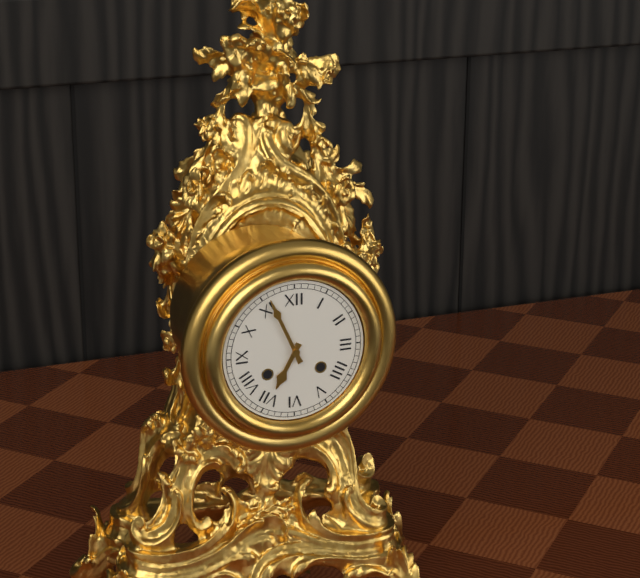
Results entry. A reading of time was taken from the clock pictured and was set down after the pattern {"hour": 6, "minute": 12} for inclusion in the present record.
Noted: {"hour": 6, "minute": 56}
